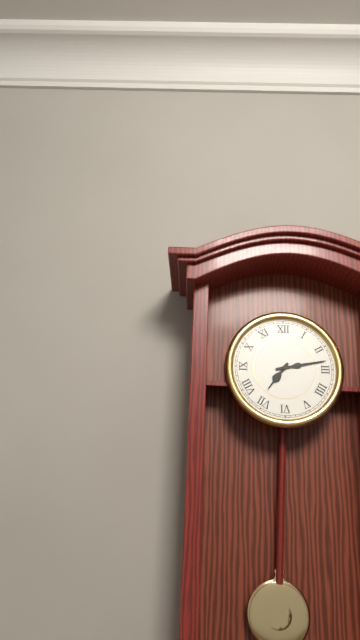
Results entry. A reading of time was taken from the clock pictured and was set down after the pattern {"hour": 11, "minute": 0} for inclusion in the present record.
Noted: {"hour": 7, "minute": 13}
